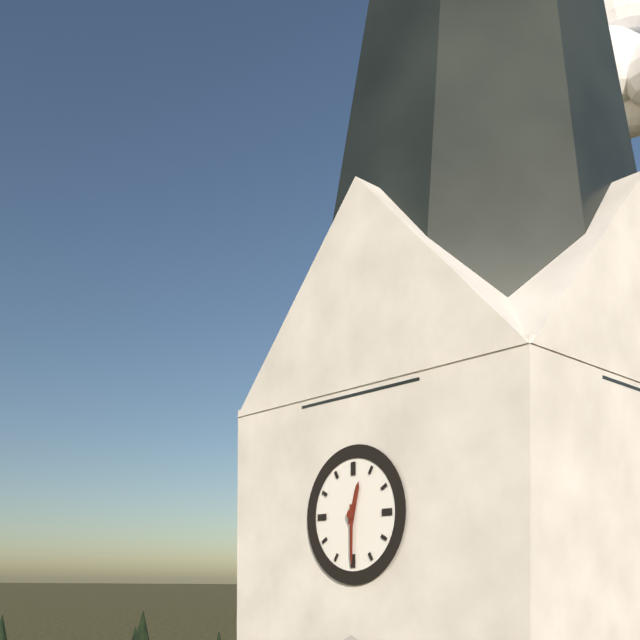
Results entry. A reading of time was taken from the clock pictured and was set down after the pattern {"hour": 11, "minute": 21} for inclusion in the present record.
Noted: {"hour": 12, "minute": 30}
